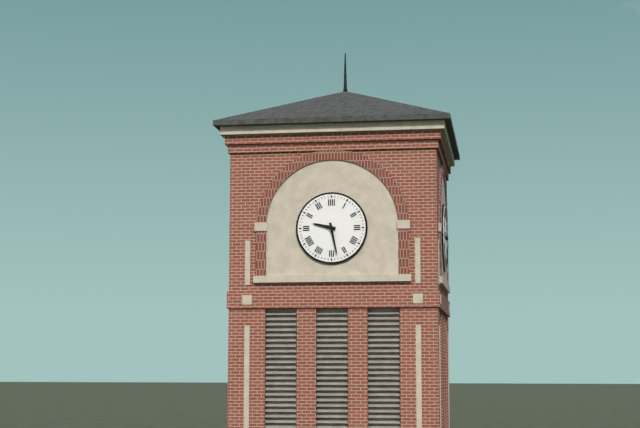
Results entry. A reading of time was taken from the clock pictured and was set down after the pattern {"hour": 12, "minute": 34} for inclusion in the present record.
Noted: {"hour": 9, "minute": 28}
